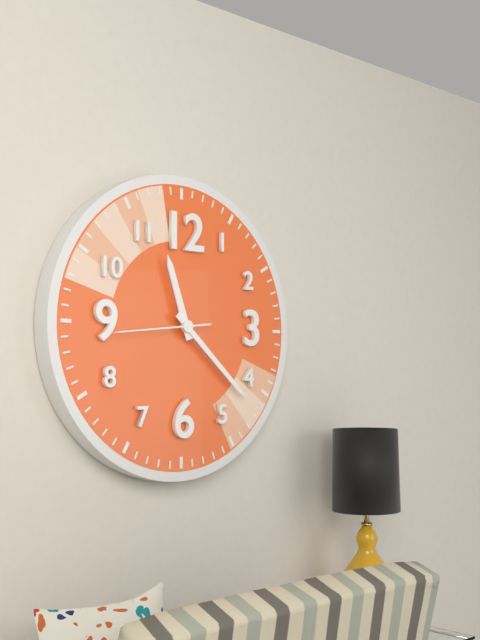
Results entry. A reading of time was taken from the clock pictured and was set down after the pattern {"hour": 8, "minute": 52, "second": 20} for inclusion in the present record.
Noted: {"hour": 11, "minute": 22, "second": 44}
